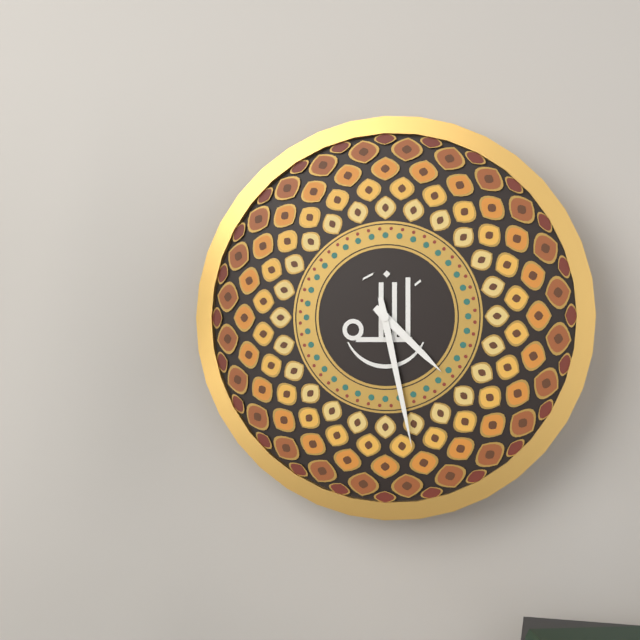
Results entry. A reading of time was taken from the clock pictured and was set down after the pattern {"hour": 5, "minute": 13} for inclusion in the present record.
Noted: {"hour": 4, "minute": 28}
